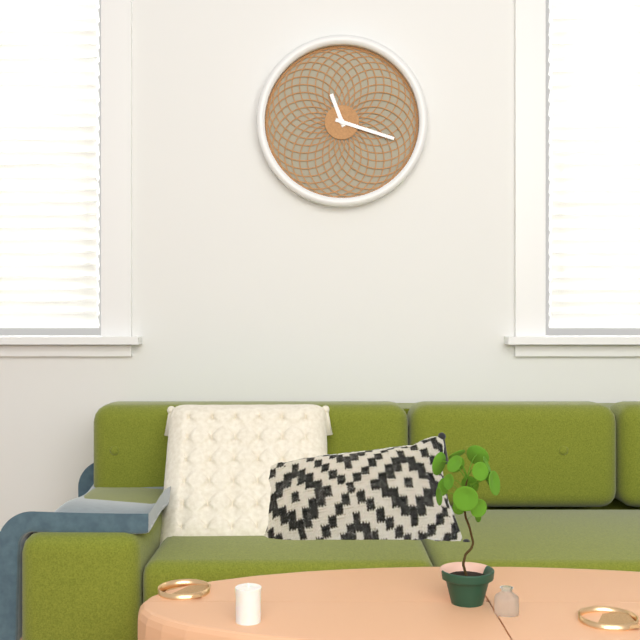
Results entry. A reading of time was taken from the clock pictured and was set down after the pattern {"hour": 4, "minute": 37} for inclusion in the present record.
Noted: {"hour": 11, "minute": 18}
